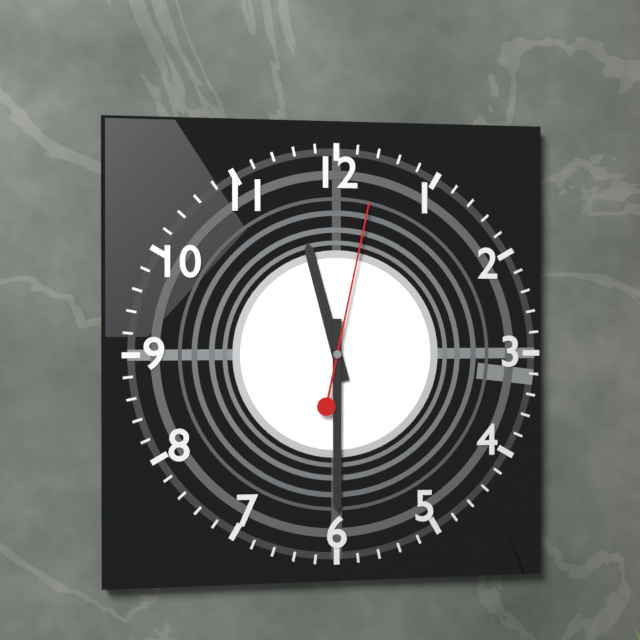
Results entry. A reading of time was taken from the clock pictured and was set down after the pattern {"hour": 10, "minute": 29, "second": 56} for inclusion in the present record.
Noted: {"hour": 11, "minute": 30, "second": 2}
